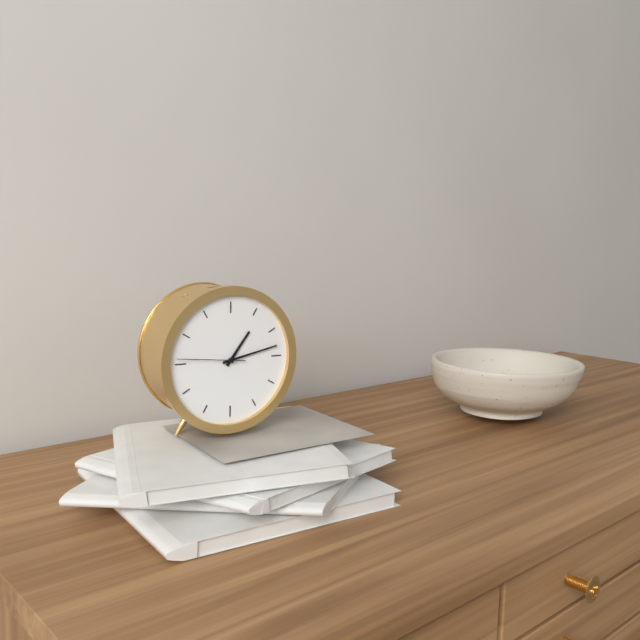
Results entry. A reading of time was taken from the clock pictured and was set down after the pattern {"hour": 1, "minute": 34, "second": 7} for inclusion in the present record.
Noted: {"hour": 1, "minute": 13, "second": 46}
